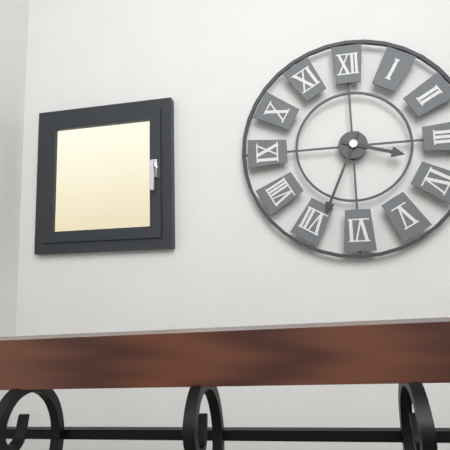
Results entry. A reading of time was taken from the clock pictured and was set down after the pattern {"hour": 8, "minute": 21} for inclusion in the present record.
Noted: {"hour": 3, "minute": 34}
